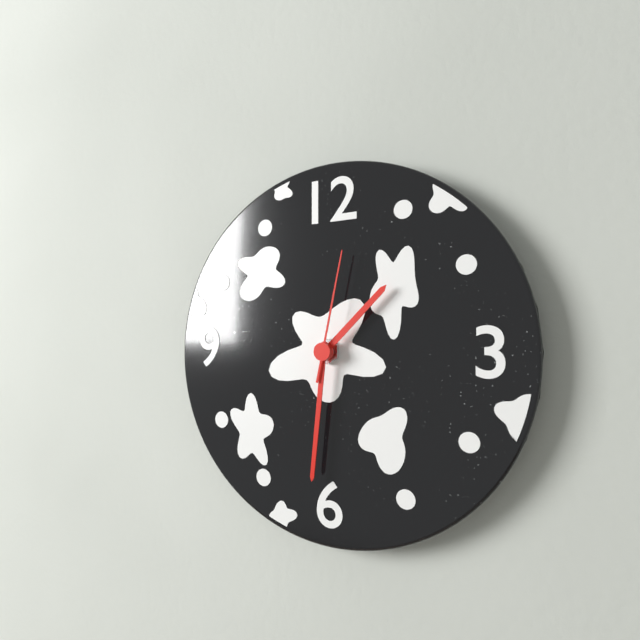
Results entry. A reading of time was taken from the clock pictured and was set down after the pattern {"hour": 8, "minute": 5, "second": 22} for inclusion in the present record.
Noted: {"hour": 1, "minute": 31, "second": 2}
